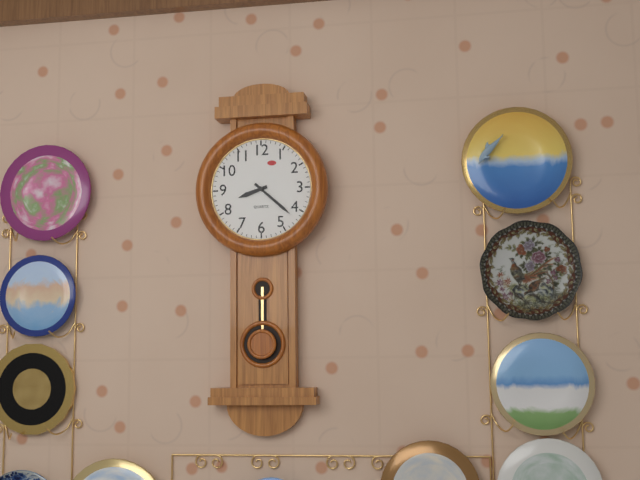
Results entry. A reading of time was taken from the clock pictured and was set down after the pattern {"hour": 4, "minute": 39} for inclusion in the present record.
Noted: {"hour": 8, "minute": 22}
